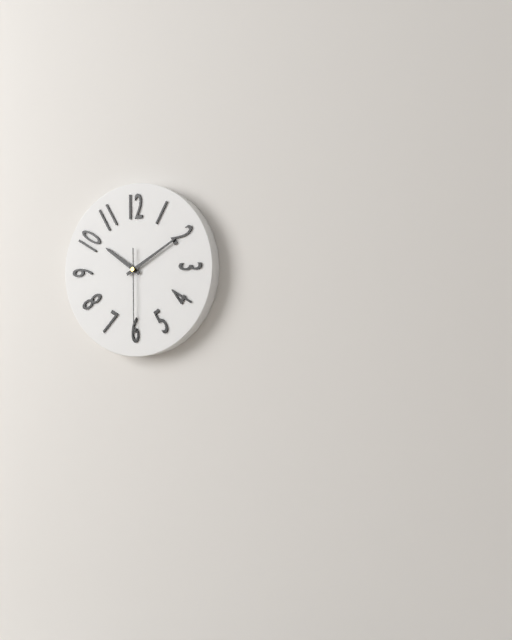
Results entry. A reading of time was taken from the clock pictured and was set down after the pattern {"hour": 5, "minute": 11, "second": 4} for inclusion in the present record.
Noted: {"hour": 10, "minute": 10, "second": 30}
